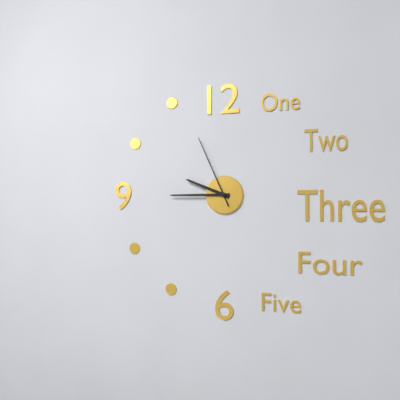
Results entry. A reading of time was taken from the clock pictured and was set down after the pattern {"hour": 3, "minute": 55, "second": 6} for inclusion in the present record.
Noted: {"hour": 9, "minute": 45, "second": 56}
